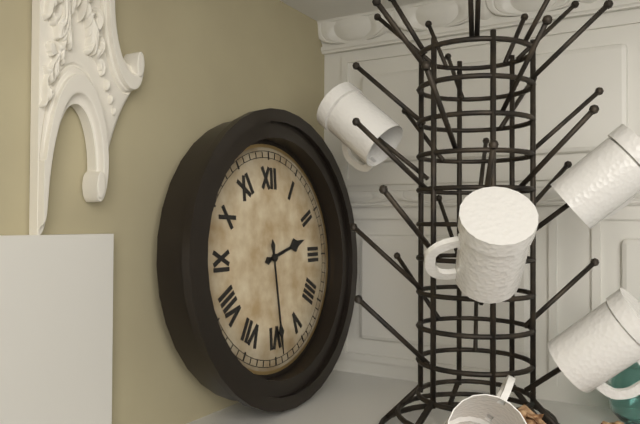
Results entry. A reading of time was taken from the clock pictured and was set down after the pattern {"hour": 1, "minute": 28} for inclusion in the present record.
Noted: {"hour": 2, "minute": 29}
